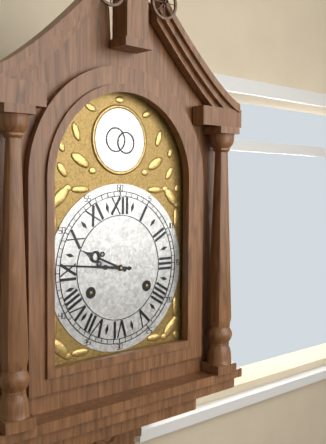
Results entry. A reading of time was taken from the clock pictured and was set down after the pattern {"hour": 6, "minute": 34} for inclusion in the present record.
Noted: {"hour": 9, "minute": 46}
